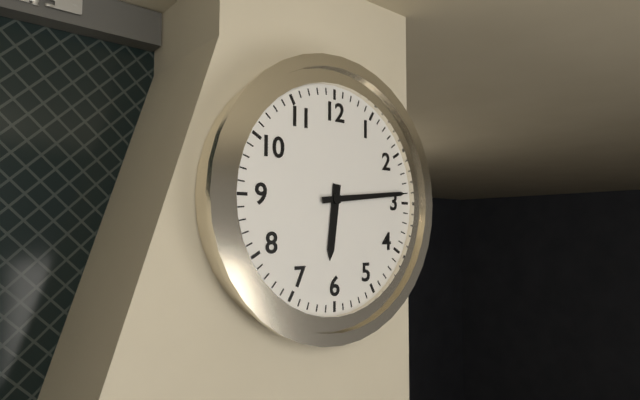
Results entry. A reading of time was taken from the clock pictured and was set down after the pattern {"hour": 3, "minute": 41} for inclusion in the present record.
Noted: {"hour": 6, "minute": 14}
